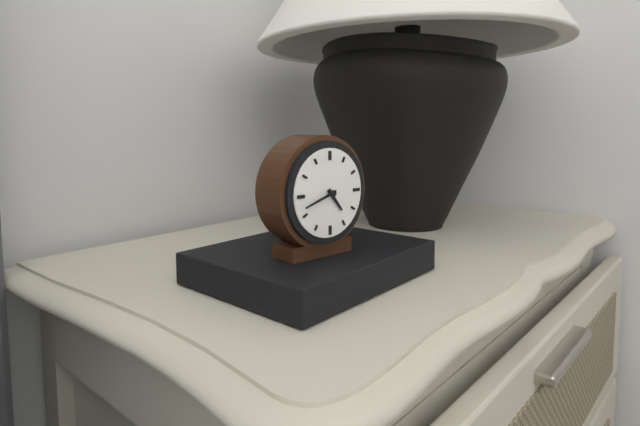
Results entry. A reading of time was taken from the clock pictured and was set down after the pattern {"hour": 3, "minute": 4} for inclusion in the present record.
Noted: {"hour": 4, "minute": 42}
